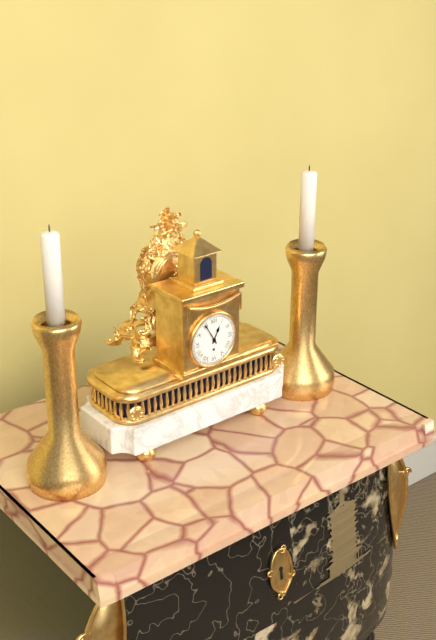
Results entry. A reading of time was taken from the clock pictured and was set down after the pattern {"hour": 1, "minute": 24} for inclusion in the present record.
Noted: {"hour": 12, "minute": 55}
